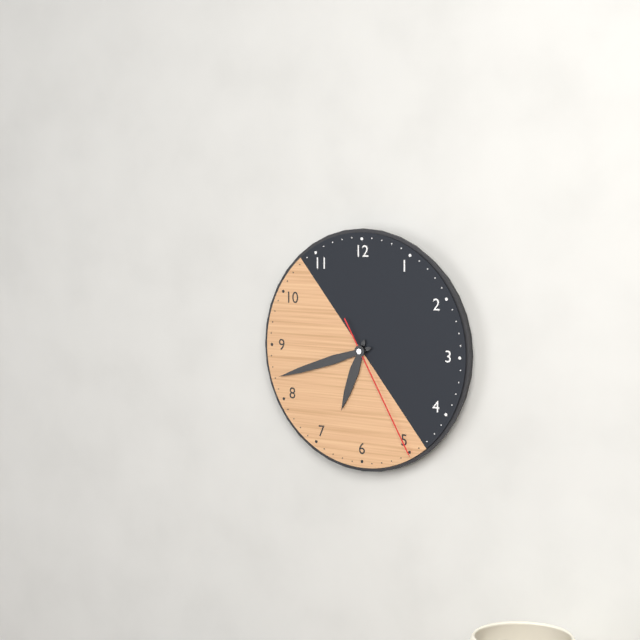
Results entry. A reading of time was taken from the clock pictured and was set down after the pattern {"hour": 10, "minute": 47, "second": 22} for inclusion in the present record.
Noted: {"hour": 6, "minute": 42, "second": 25}
